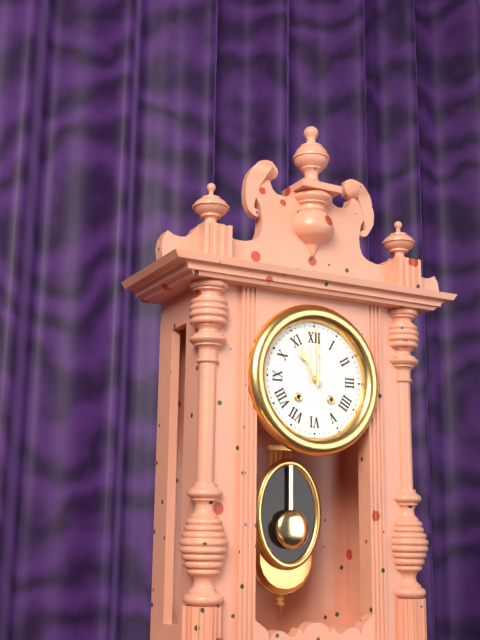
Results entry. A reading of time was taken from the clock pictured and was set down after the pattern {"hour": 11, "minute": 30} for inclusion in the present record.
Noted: {"hour": 11, "minute": 0}
